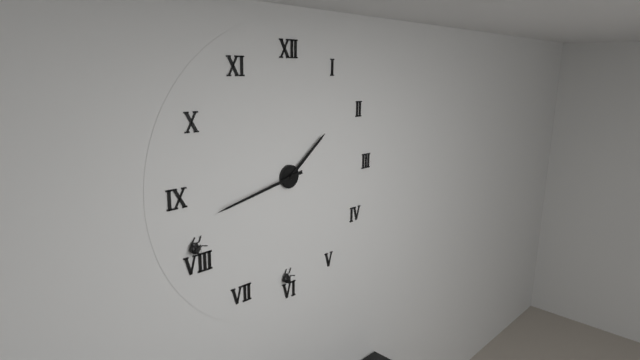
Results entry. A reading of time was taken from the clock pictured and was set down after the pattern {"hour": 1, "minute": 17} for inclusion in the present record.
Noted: {"hour": 1, "minute": 43}
